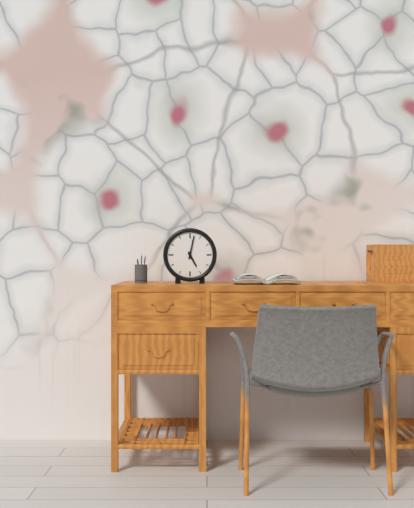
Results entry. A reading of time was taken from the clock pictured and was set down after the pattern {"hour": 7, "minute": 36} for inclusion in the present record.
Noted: {"hour": 5, "minute": 2}
